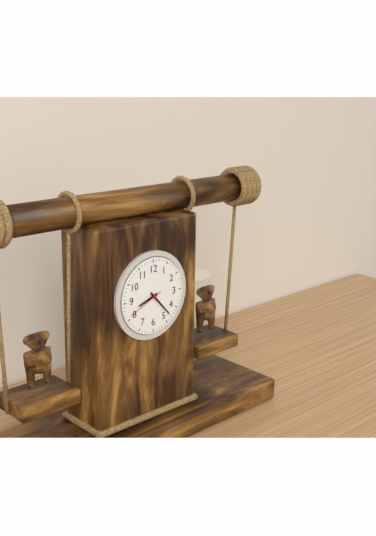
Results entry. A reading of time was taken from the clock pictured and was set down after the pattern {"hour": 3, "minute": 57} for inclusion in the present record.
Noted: {"hour": 8, "minute": 23}
